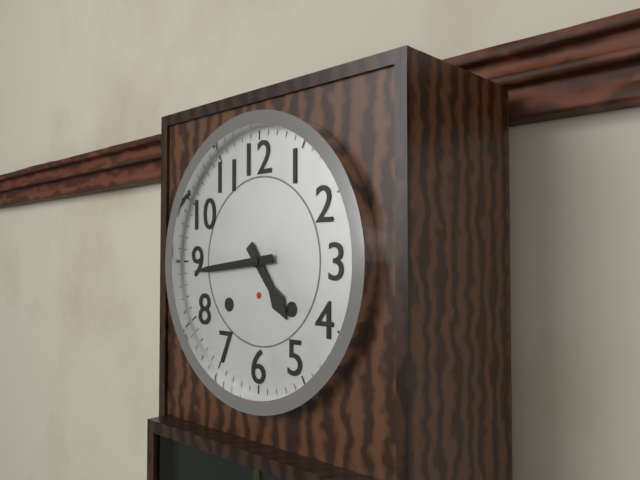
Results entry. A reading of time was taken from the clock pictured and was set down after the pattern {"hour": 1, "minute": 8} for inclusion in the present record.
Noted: {"hour": 4, "minute": 44}
